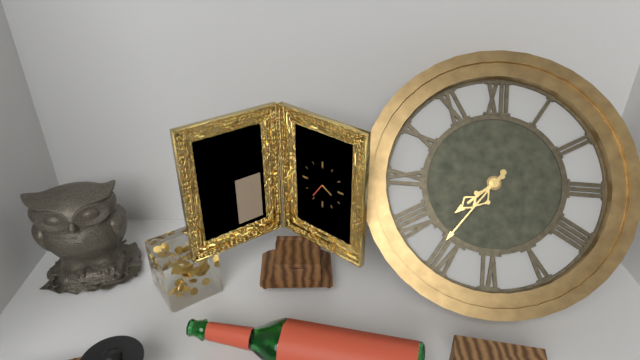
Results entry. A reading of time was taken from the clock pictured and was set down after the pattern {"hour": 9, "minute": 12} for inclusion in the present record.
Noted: {"hour": 7, "minute": 36}
